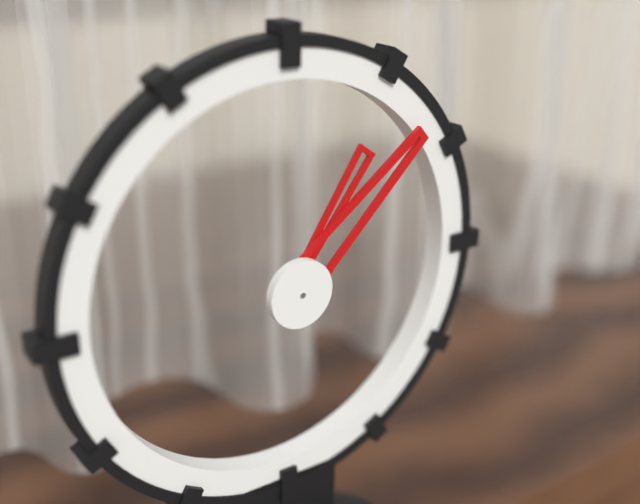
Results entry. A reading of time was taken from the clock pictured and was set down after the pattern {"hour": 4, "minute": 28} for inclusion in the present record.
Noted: {"hour": 1, "minute": 8}
